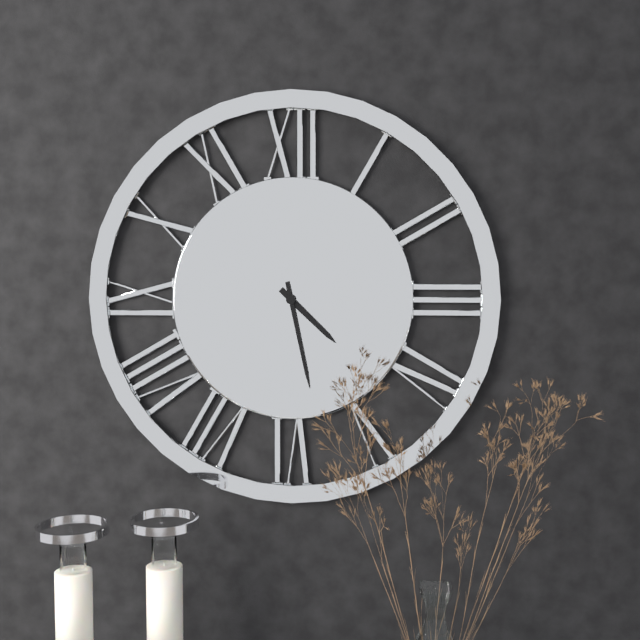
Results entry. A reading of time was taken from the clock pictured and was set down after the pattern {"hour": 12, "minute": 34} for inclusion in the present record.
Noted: {"hour": 4, "minute": 28}
